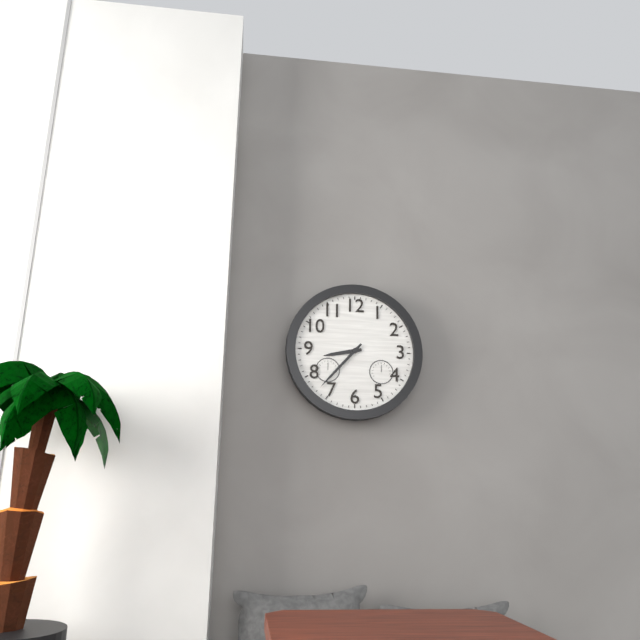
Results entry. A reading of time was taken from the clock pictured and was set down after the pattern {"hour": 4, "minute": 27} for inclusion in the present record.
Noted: {"hour": 8, "minute": 37}
